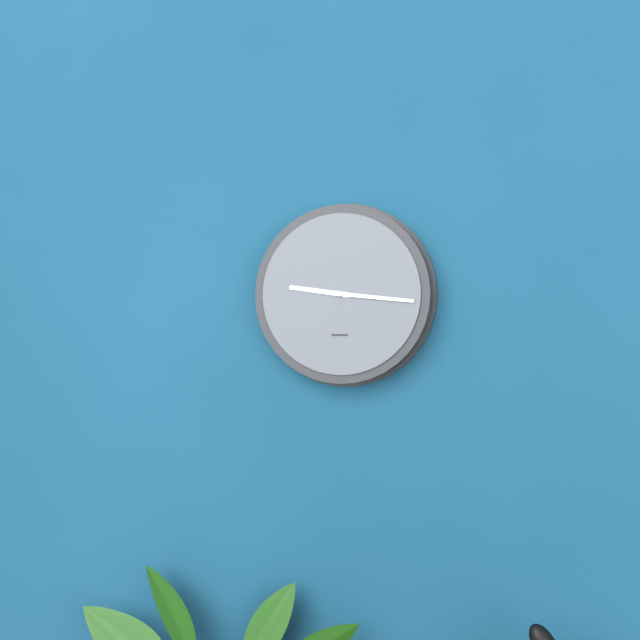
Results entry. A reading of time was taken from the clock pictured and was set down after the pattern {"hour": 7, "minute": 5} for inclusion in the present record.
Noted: {"hour": 9, "minute": 16}
